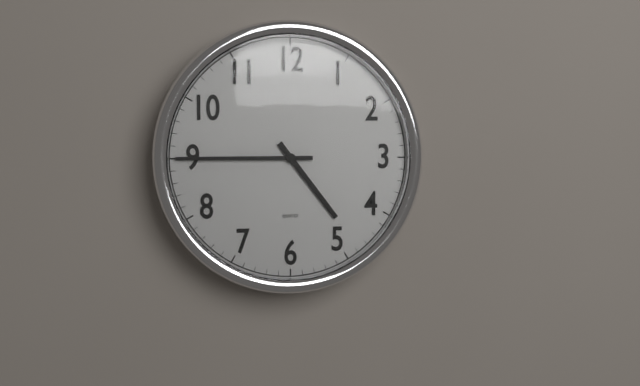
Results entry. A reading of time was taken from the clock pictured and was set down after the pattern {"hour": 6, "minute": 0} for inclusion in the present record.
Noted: {"hour": 4, "minute": 45}
